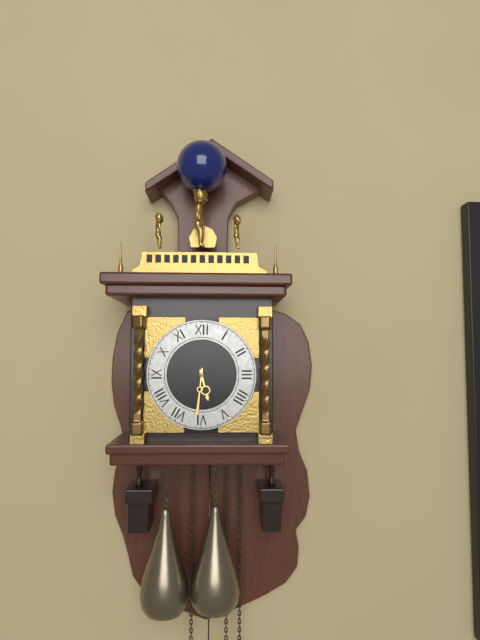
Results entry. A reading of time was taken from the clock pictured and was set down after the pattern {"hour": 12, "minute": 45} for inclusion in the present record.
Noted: {"hour": 5, "minute": 31}
